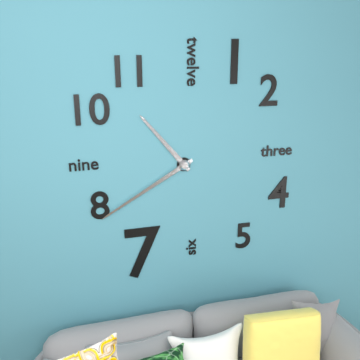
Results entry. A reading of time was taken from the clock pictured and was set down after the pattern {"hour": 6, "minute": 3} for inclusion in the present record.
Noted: {"hour": 10, "minute": 40}
